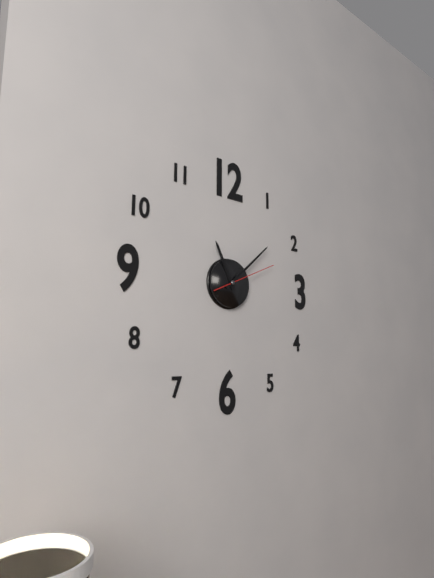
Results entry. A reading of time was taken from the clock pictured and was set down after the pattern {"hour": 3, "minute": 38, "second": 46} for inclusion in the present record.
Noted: {"hour": 11, "minute": 8, "second": 11}
